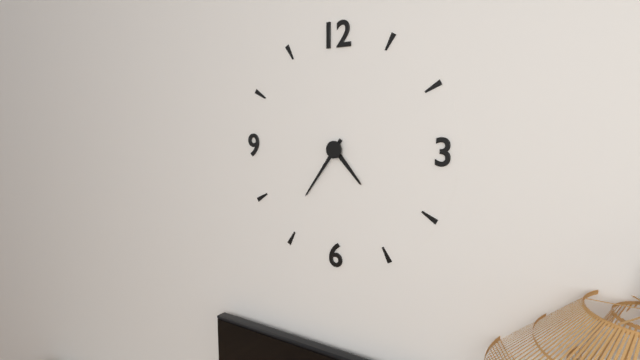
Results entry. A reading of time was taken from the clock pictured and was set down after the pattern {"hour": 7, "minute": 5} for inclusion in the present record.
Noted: {"hour": 4, "minute": 36}
